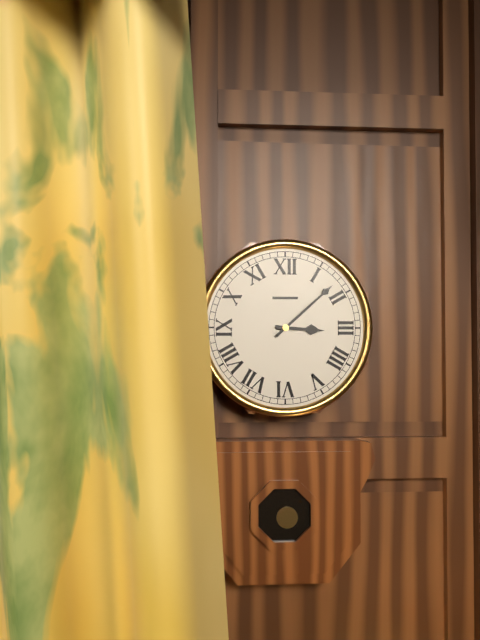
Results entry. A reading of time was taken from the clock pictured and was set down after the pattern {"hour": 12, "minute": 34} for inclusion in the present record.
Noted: {"hour": 3, "minute": 8}
